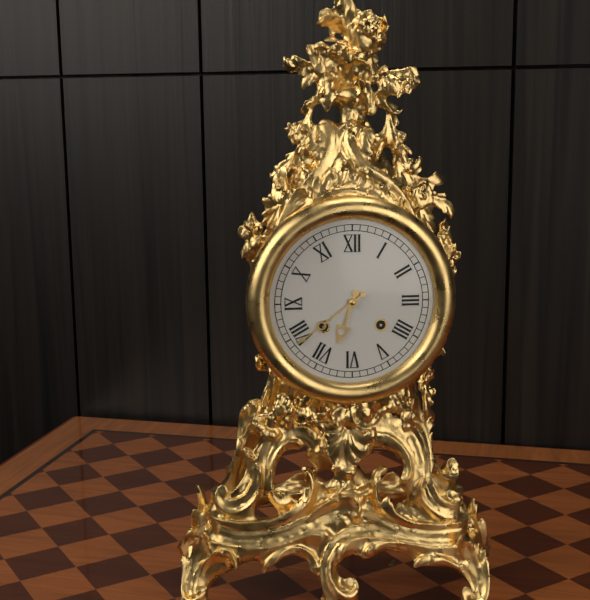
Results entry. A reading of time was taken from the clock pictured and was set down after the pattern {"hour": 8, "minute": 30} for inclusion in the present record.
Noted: {"hour": 6, "minute": 39}
